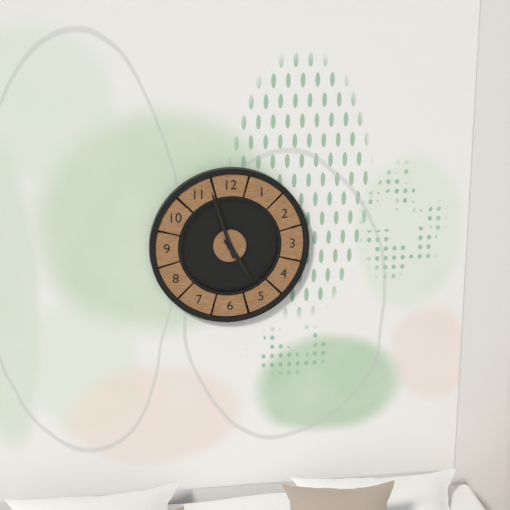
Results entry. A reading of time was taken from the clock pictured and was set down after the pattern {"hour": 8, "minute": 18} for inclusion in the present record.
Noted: {"hour": 4, "minute": 57}
